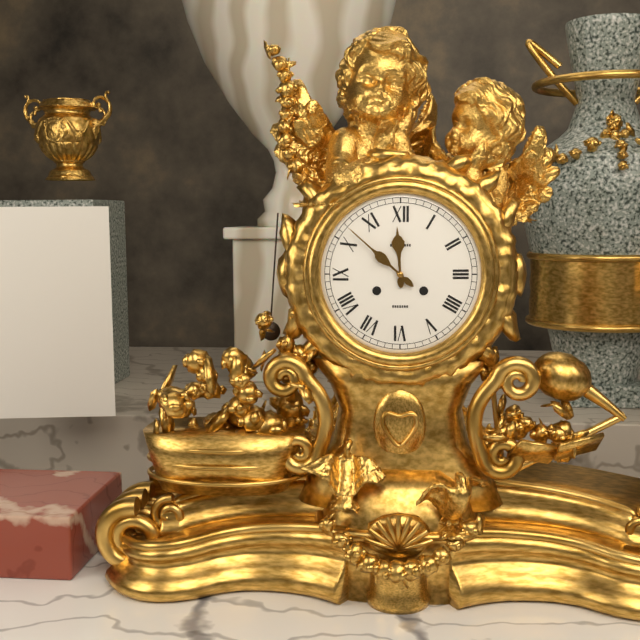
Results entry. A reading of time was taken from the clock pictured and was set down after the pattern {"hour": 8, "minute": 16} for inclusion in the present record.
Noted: {"hour": 11, "minute": 52}
